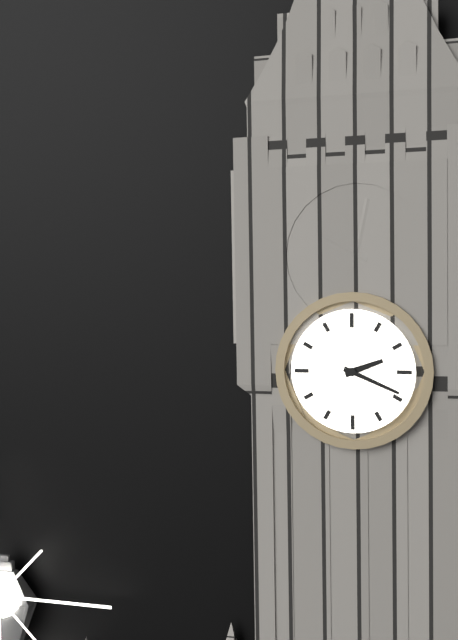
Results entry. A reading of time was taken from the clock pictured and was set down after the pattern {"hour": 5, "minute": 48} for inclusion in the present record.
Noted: {"hour": 2, "minute": 19}
